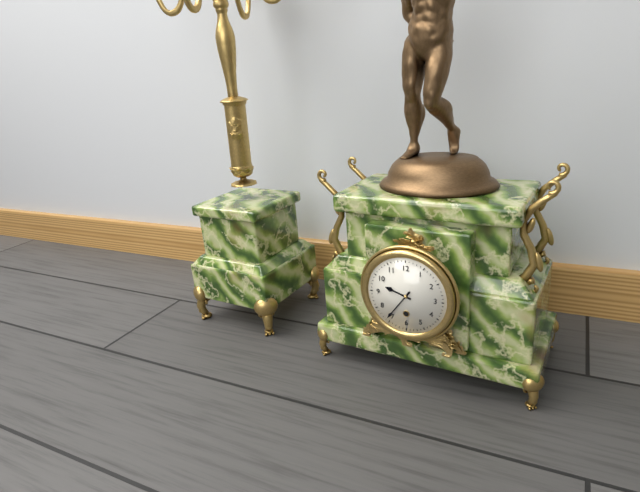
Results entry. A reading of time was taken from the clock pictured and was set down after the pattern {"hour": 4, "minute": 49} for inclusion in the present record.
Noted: {"hour": 9, "minute": 36}
